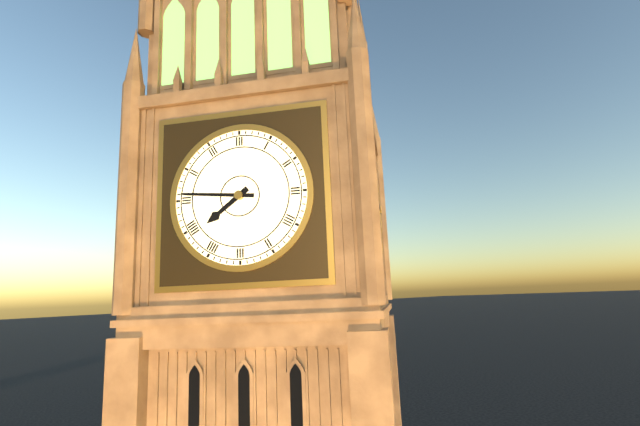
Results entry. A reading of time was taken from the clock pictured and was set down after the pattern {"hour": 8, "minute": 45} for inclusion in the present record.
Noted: {"hour": 7, "minute": 46}
